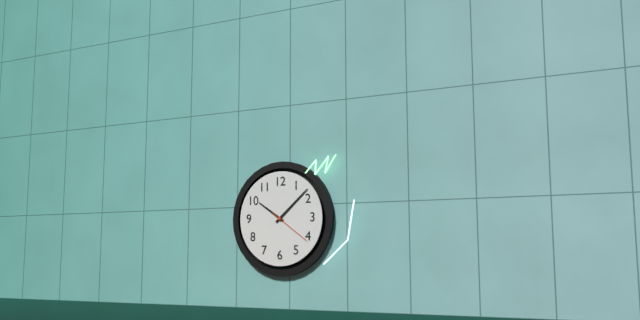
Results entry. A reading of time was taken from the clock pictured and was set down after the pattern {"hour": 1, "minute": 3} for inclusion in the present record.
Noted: {"hour": 10, "minute": 8}
